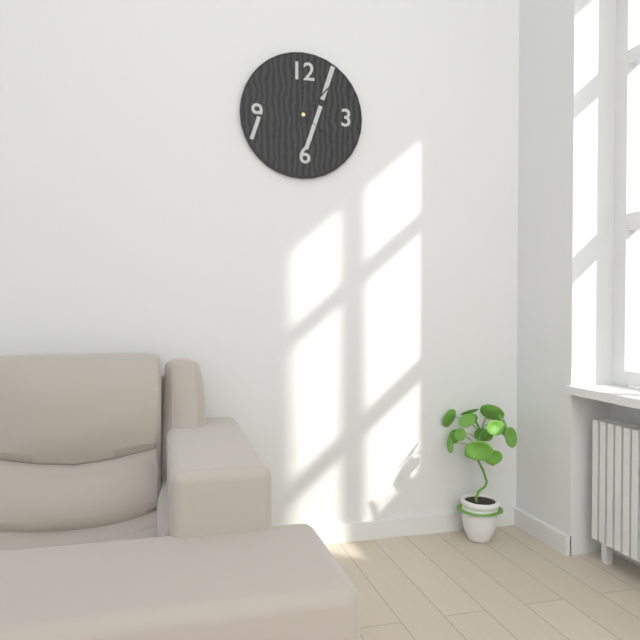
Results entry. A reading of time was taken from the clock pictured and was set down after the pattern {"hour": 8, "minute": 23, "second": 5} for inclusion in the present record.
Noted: {"hour": 12, "minute": 7, "second": 21}
